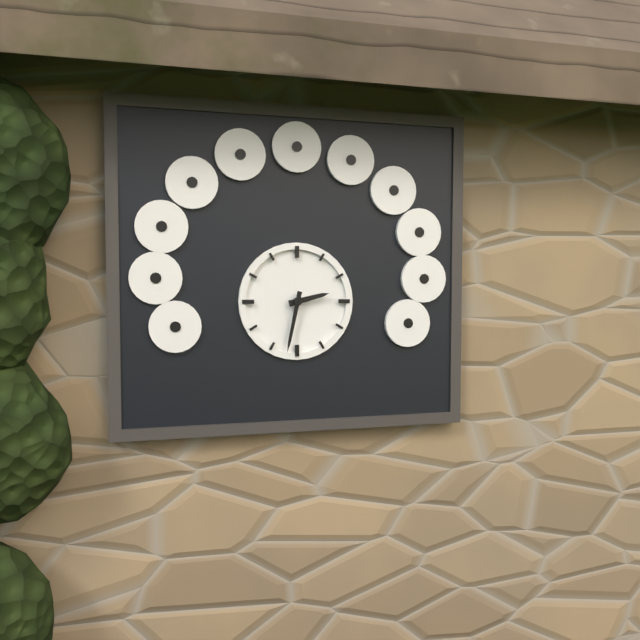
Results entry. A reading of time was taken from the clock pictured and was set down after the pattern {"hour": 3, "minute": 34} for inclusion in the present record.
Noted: {"hour": 2, "minute": 32}
